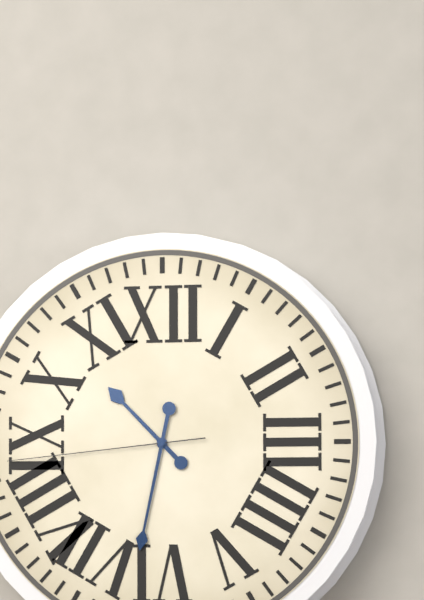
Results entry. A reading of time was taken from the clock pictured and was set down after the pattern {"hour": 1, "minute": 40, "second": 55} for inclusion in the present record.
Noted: {"hour": 10, "minute": 32, "second": 44}
